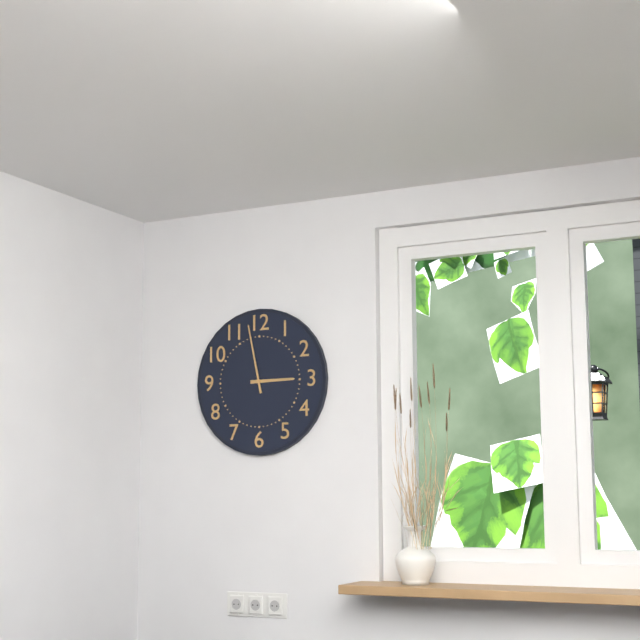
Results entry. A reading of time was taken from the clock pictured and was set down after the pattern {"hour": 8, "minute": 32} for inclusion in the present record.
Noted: {"hour": 2, "minute": 58}
